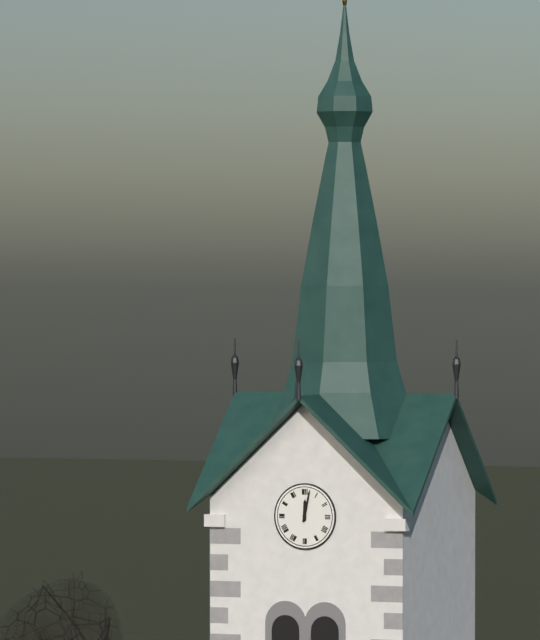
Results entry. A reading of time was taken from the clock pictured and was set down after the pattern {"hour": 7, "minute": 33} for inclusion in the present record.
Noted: {"hour": 12, "minute": 2}
